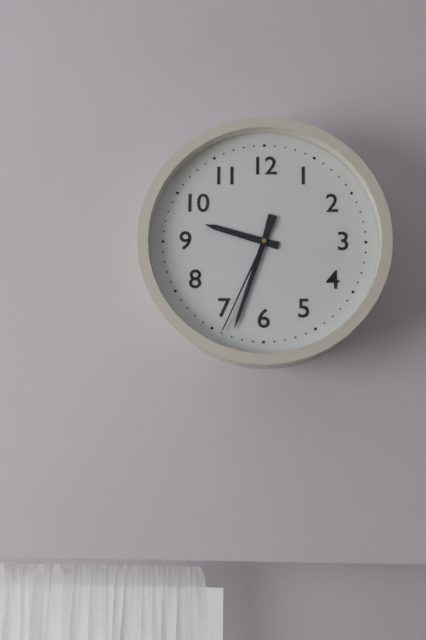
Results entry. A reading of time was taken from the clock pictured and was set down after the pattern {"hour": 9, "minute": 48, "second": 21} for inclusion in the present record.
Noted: {"hour": 9, "minute": 33, "second": 34}
